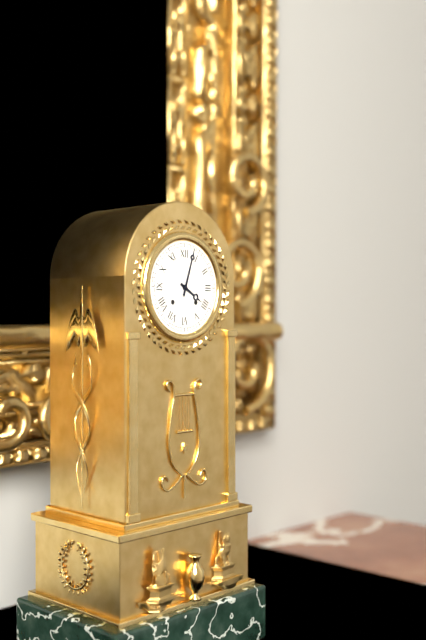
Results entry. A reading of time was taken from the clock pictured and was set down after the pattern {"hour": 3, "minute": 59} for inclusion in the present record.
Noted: {"hour": 4, "minute": 3}
